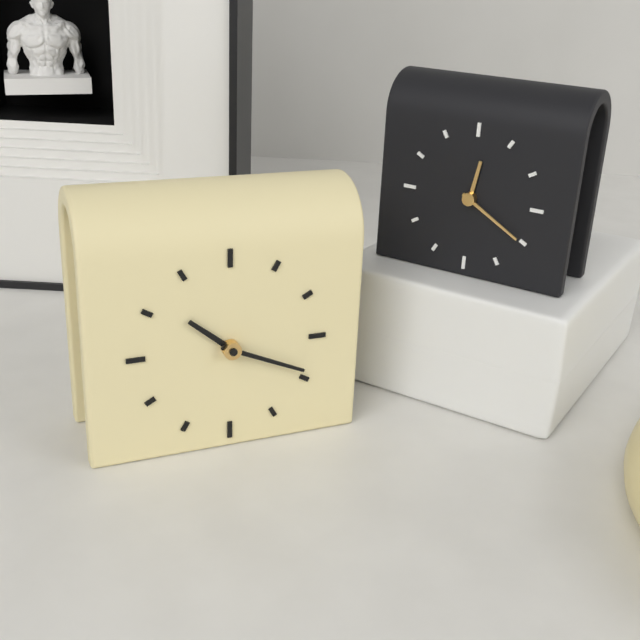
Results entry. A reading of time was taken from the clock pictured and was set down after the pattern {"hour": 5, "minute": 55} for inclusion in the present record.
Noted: {"hour": 10, "minute": 19}
